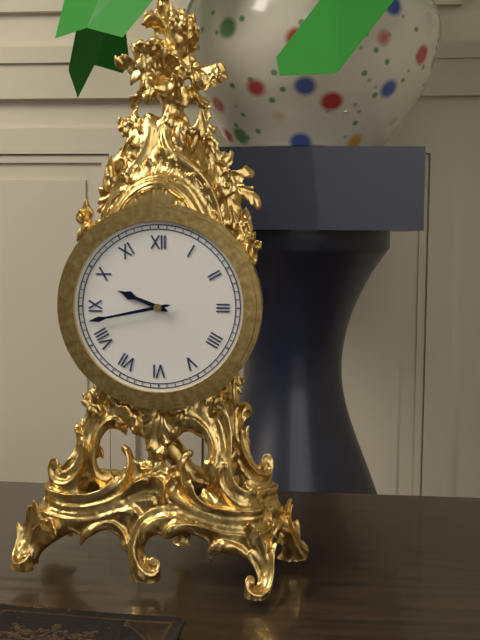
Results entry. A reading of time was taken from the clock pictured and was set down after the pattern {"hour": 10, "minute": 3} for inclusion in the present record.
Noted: {"hour": 9, "minute": 43}
